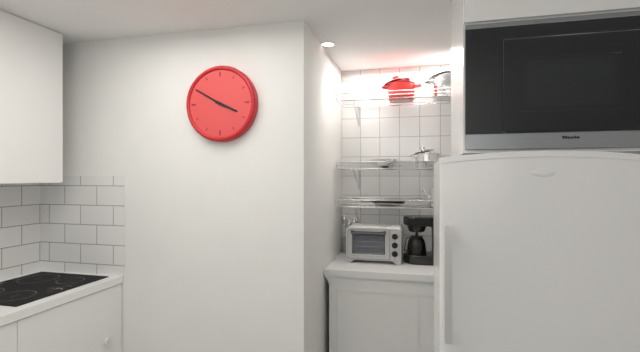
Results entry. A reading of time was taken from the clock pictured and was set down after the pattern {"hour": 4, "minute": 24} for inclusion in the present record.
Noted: {"hour": 3, "minute": 50}
